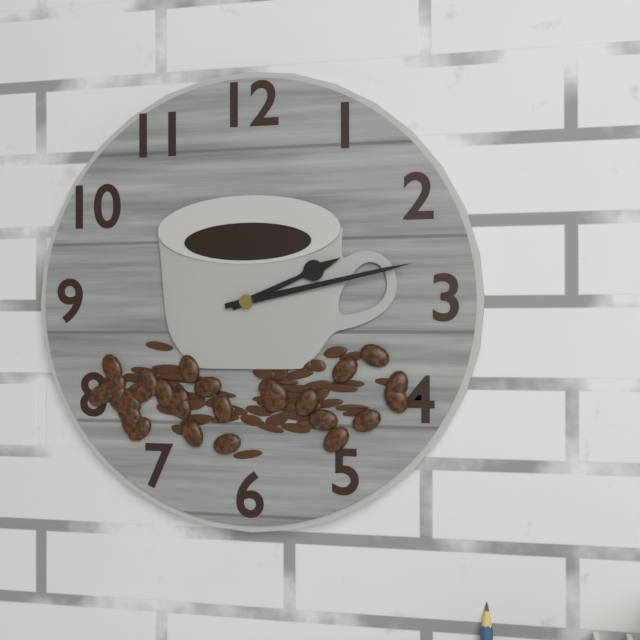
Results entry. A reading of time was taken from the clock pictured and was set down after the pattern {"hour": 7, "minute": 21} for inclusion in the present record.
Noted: {"hour": 2, "minute": 13}
